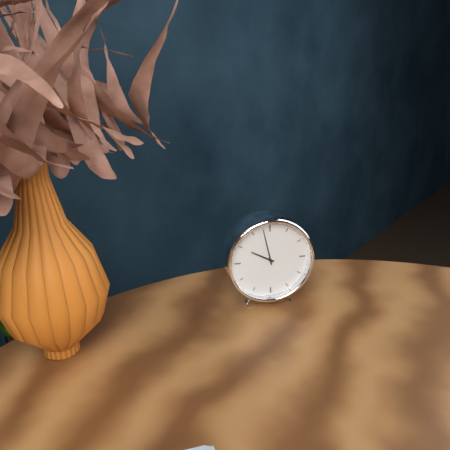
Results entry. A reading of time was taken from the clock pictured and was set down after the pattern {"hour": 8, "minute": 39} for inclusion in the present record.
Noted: {"hour": 9, "minute": 58}
